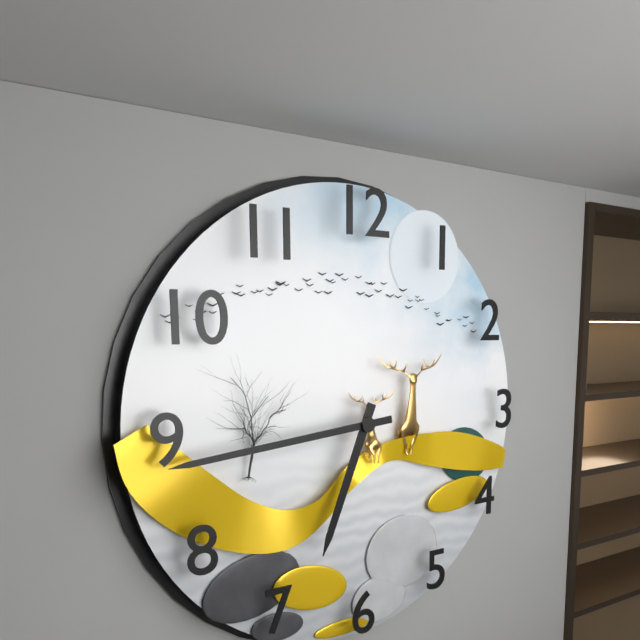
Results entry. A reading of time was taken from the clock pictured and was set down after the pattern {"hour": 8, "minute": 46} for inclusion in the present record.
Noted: {"hour": 6, "minute": 44}
